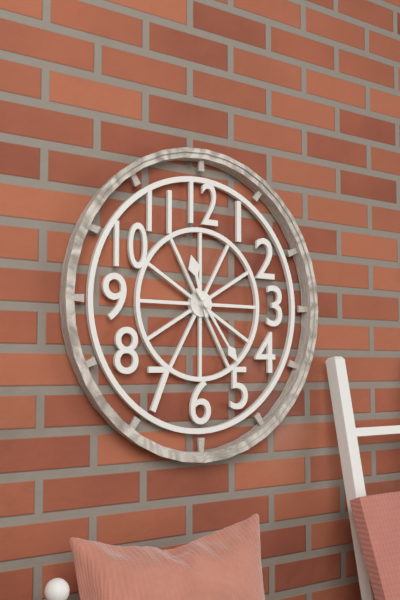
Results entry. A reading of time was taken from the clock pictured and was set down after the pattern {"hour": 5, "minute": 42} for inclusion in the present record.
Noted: {"hour": 11, "minute": 24}
